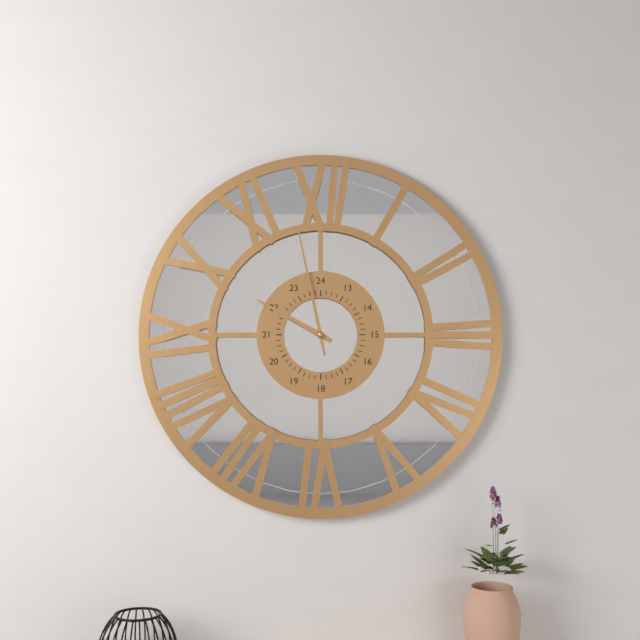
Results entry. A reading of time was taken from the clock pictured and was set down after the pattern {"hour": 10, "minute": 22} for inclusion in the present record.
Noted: {"hour": 9, "minute": 58}
